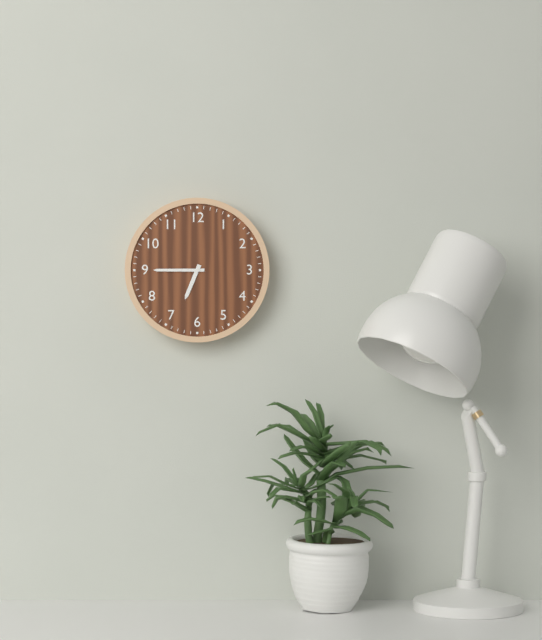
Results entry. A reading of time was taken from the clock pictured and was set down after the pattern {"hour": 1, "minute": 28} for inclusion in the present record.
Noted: {"hour": 6, "minute": 45}
